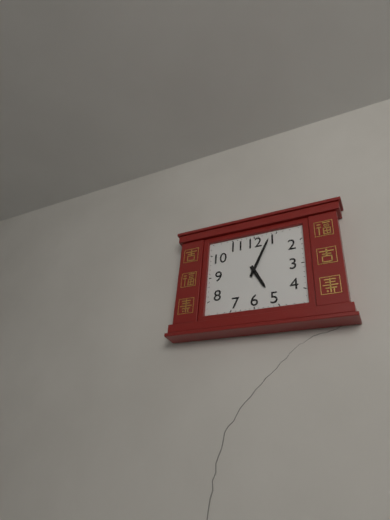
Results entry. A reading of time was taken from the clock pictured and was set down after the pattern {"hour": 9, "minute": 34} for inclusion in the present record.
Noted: {"hour": 5, "minute": 4}
